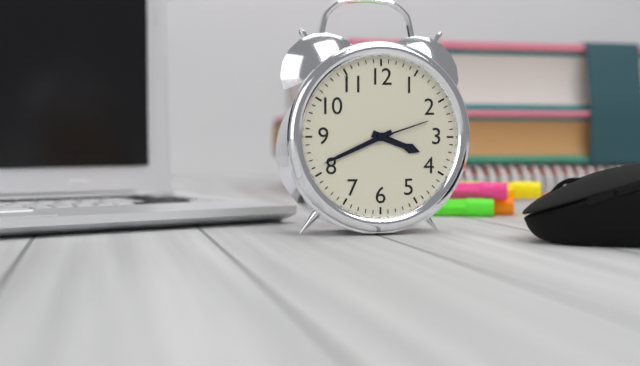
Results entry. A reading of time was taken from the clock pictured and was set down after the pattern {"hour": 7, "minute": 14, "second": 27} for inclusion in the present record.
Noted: {"hour": 3, "minute": 41, "second": 12}
